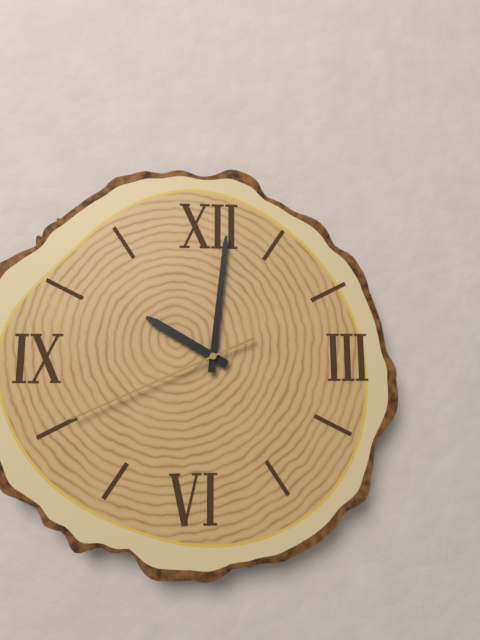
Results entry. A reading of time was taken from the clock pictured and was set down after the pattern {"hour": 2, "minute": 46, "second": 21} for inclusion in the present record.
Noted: {"hour": 10, "minute": 1, "second": 41}
